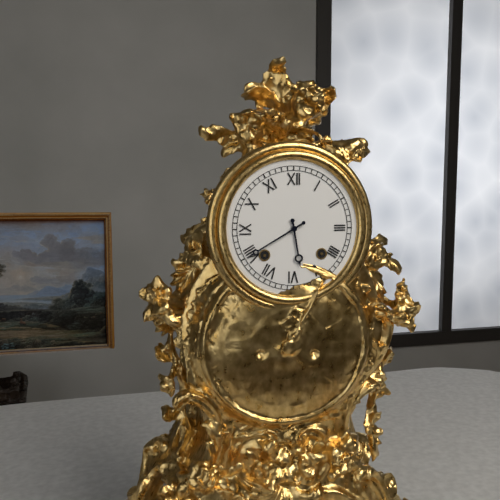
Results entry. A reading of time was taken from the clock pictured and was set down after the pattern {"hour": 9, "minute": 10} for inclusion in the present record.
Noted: {"hour": 5, "minute": 40}
